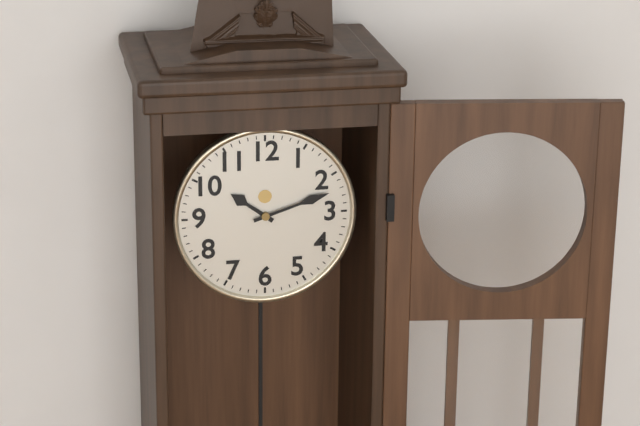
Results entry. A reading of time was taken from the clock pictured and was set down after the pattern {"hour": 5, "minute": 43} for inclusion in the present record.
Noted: {"hour": 10, "minute": 12}
